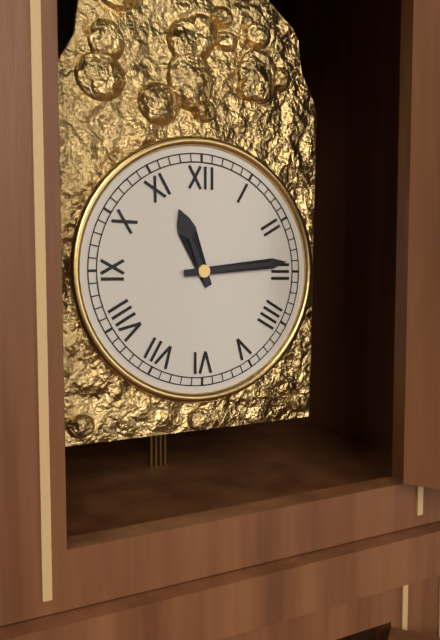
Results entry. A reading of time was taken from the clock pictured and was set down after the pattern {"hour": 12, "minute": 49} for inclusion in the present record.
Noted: {"hour": 11, "minute": 14}
